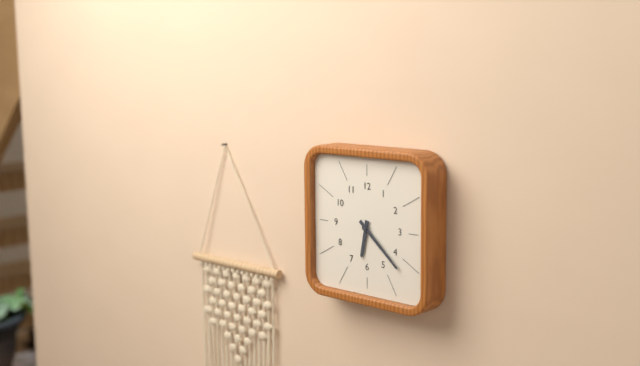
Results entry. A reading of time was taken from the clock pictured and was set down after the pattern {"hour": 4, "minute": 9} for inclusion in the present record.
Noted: {"hour": 6, "minute": 22}
